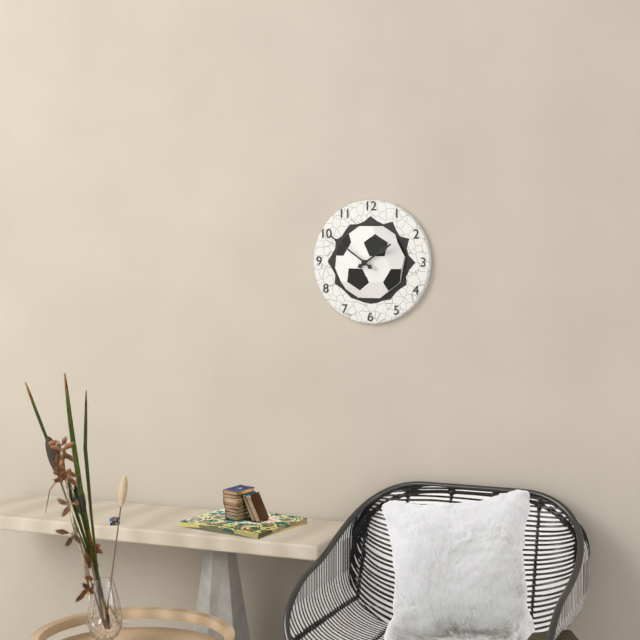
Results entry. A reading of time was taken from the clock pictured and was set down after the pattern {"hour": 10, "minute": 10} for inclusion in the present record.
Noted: {"hour": 1, "minute": 51}
